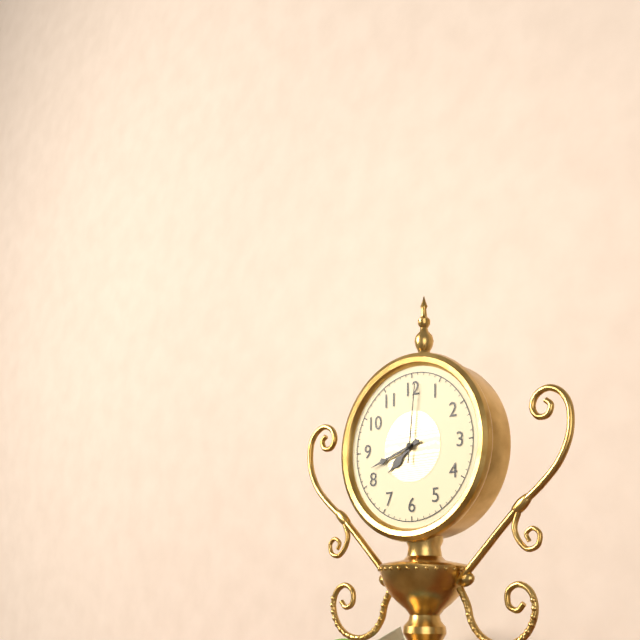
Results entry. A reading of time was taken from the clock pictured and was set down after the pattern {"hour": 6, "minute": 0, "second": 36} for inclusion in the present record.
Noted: {"hour": 7, "minute": 42, "second": 1}
